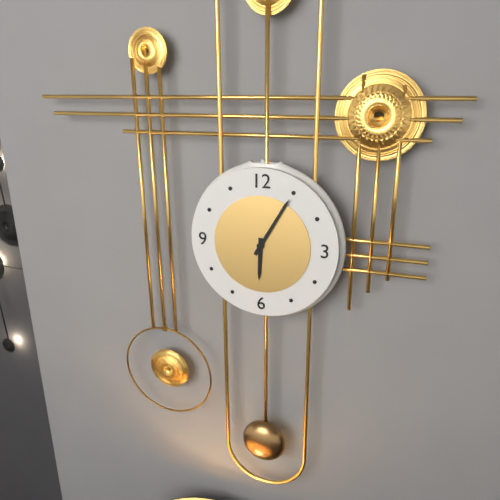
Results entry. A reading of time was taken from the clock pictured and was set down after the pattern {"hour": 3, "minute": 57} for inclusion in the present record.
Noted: {"hour": 6, "minute": 5}
